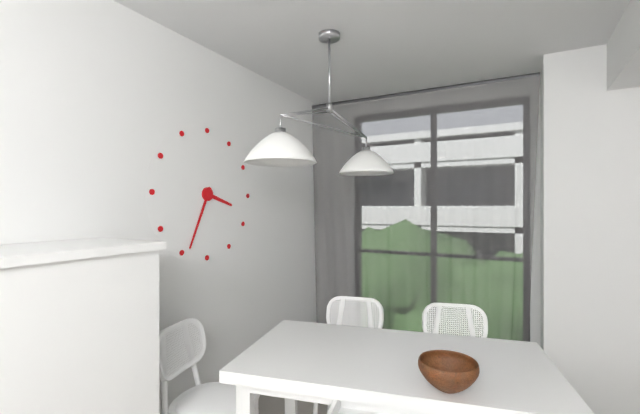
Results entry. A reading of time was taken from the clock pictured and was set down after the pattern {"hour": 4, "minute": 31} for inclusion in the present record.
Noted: {"hour": 3, "minute": 34}
